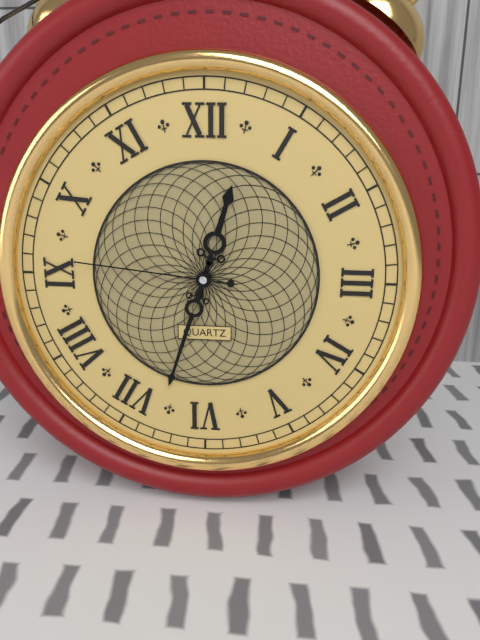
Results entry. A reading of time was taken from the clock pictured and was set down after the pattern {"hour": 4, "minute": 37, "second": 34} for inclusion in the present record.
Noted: {"hour": 12, "minute": 33, "second": 46}
